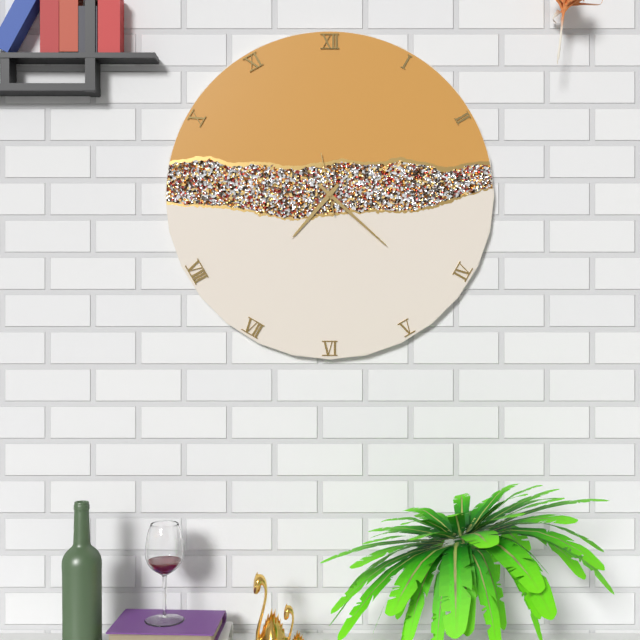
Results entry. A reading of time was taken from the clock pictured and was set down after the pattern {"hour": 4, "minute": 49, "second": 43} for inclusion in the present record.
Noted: {"hour": 7, "minute": 22, "second": 58}
